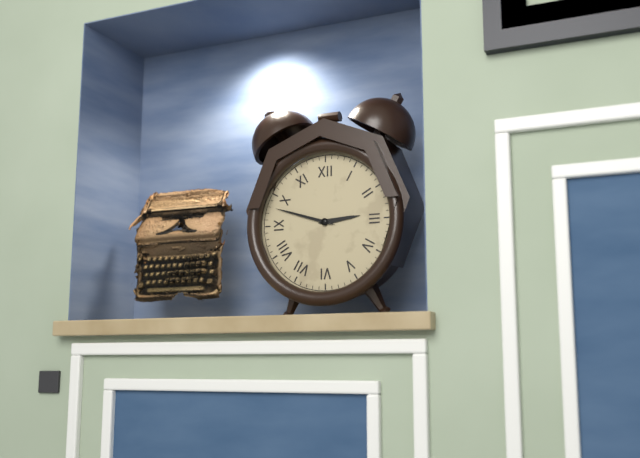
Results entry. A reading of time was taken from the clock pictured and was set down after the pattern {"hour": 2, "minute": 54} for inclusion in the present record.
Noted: {"hour": 2, "minute": 48}
